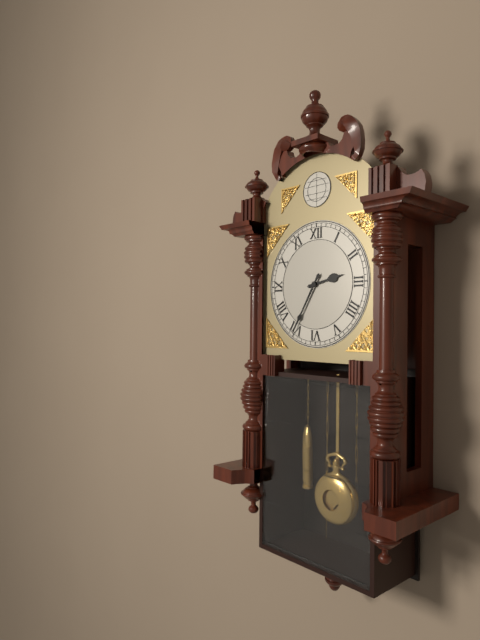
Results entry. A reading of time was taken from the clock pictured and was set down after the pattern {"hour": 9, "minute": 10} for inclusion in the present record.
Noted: {"hour": 2, "minute": 35}
